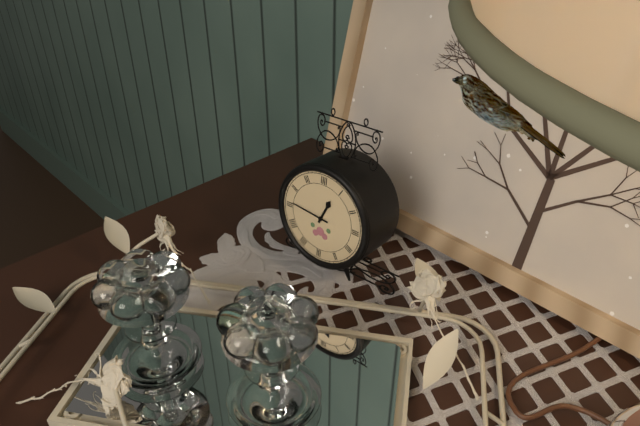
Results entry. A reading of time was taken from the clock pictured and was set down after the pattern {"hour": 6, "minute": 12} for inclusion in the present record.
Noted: {"hour": 12, "minute": 46}
